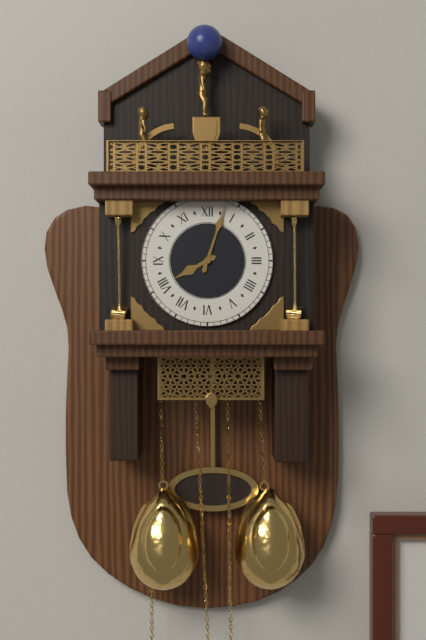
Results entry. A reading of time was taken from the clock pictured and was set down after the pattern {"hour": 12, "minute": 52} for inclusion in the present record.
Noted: {"hour": 8, "minute": 3}
